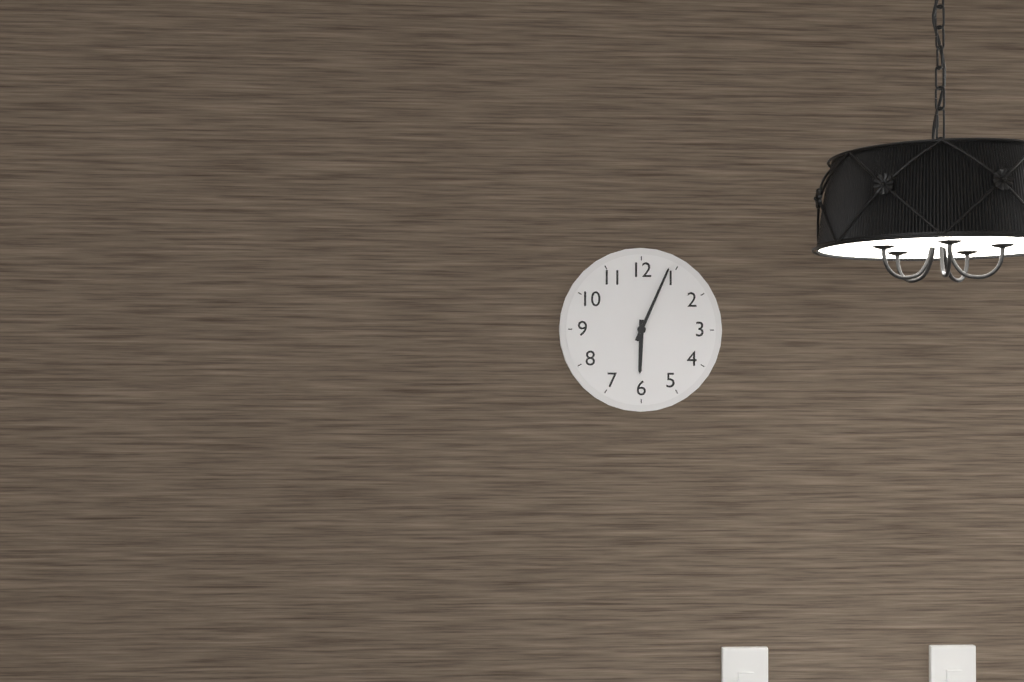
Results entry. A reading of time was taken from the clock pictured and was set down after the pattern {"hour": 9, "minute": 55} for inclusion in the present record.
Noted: {"hour": 6, "minute": 4}
